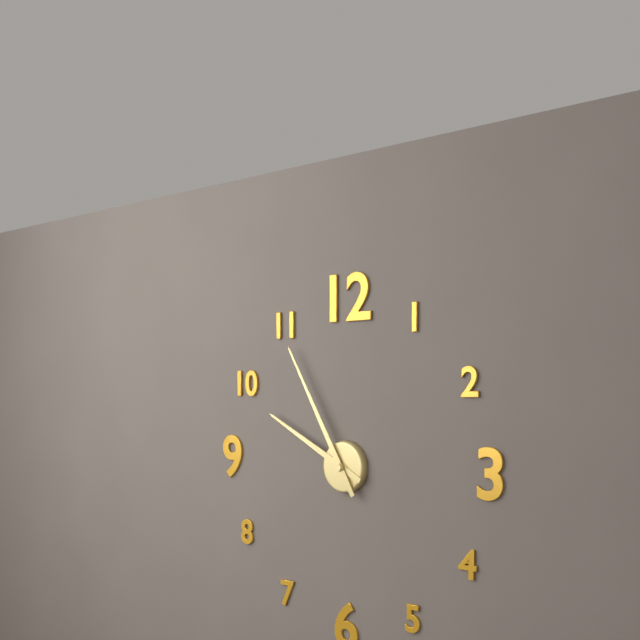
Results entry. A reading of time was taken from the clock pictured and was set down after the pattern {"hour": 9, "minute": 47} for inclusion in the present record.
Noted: {"hour": 9, "minute": 55}
